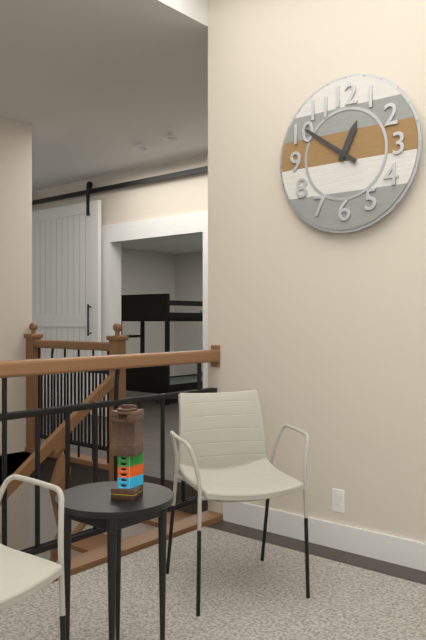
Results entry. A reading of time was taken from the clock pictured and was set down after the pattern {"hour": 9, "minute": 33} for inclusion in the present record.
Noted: {"hour": 12, "minute": 51}
